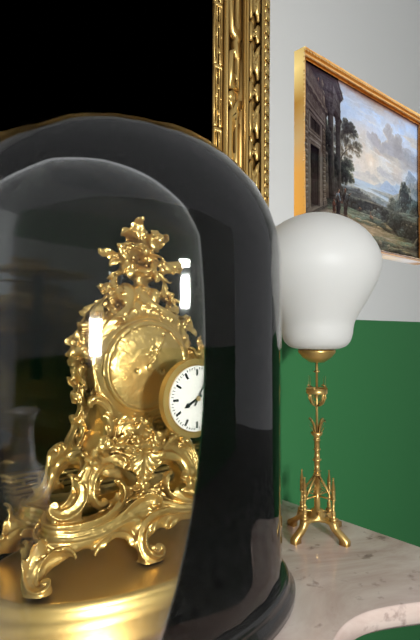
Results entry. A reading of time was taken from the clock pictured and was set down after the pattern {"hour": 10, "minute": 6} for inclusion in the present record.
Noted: {"hour": 8, "minute": 5}
